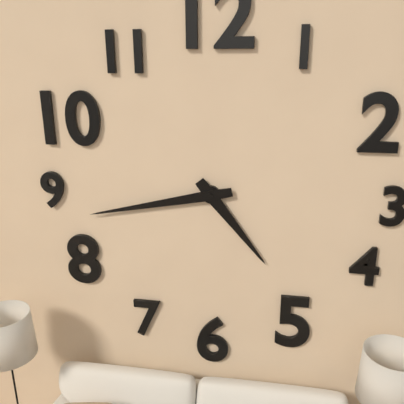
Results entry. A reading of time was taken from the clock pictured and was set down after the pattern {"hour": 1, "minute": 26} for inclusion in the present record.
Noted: {"hour": 4, "minute": 43}
